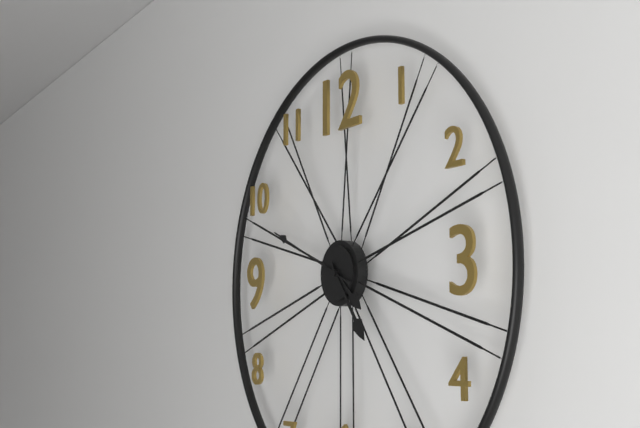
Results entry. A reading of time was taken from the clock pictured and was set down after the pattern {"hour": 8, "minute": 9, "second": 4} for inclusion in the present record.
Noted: {"hour": 4, "minute": 24, "second": 49}
